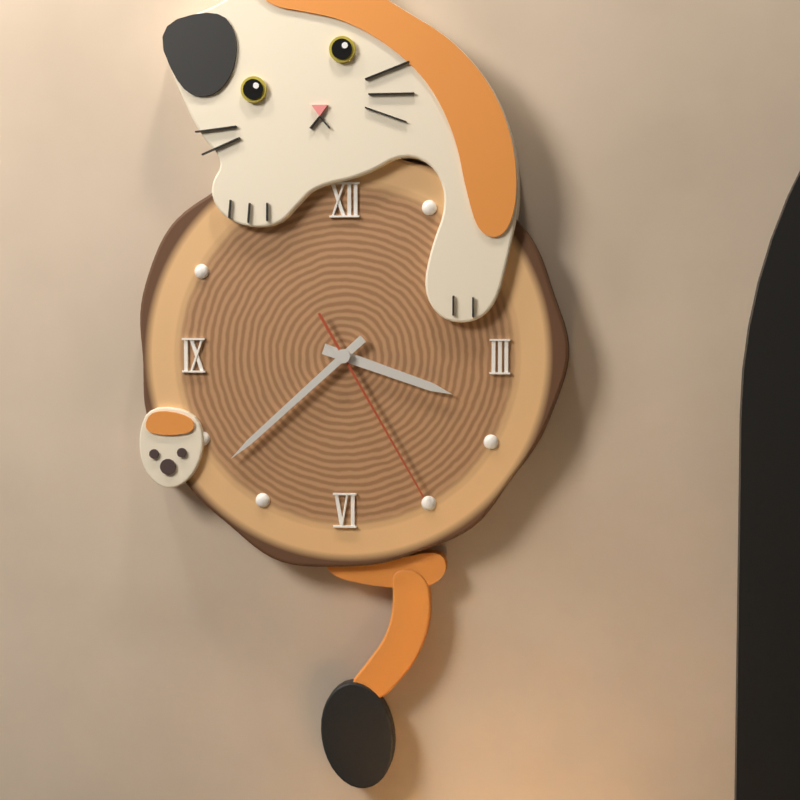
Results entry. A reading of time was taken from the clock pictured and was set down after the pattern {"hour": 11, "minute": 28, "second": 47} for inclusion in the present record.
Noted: {"hour": 3, "minute": 38, "second": 25}
